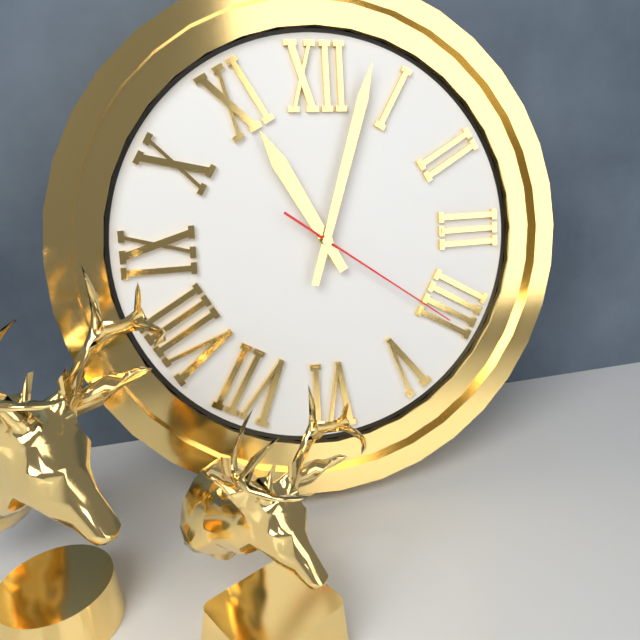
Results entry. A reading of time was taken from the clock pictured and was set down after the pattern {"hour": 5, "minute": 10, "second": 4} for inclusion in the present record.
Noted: {"hour": 11, "minute": 3, "second": 21}
